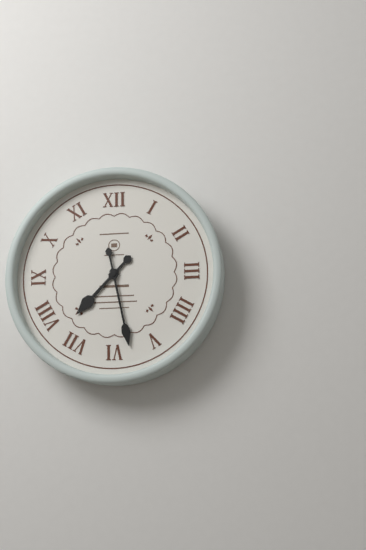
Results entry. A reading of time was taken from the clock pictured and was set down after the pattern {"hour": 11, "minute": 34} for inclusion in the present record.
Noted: {"hour": 7, "minute": 28}
